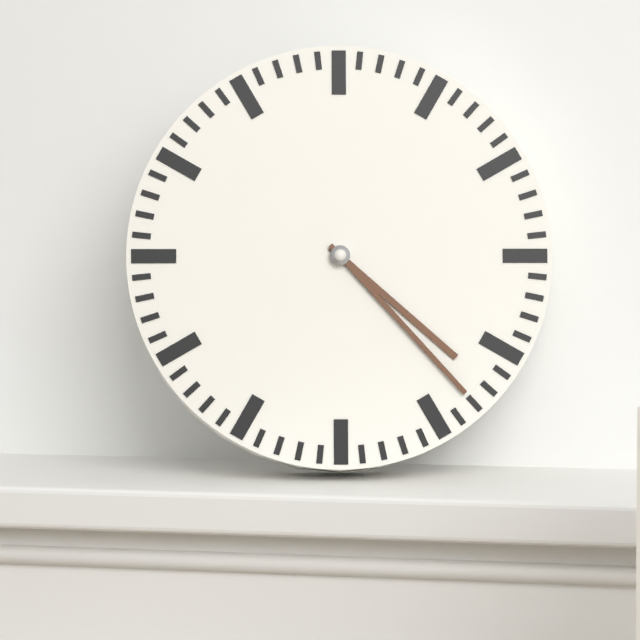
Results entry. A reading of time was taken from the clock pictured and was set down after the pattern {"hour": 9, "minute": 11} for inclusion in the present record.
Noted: {"hour": 4, "minute": 23}
